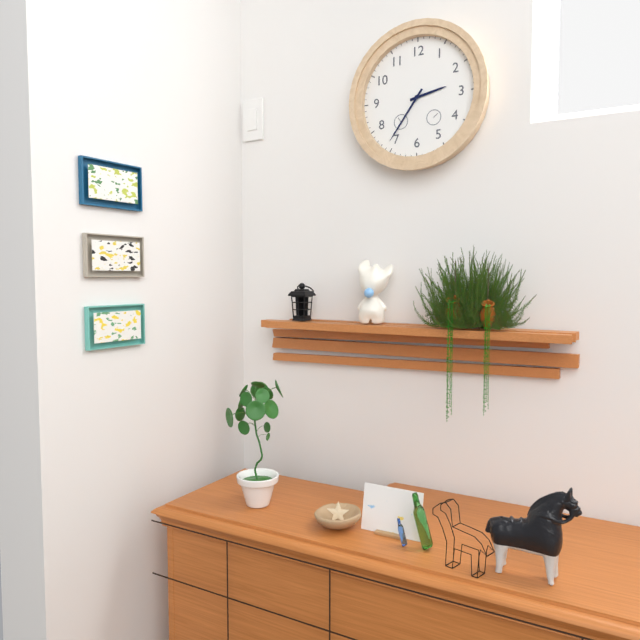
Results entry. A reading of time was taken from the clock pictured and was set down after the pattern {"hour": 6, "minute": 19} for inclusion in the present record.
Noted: {"hour": 2, "minute": 36}
